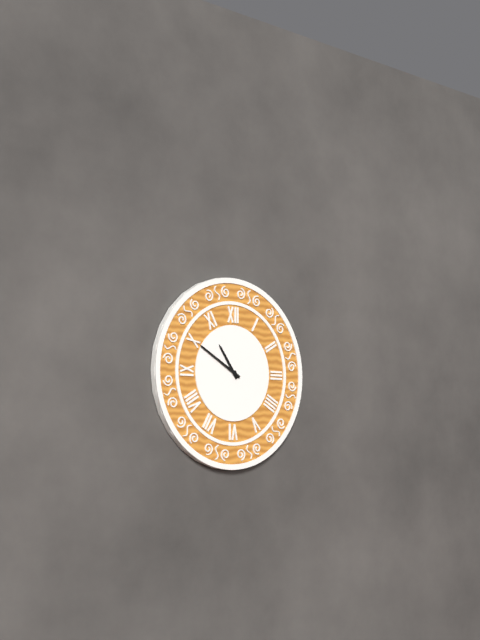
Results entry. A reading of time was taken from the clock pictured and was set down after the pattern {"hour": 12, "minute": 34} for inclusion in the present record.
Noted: {"hour": 10, "minute": 50}
